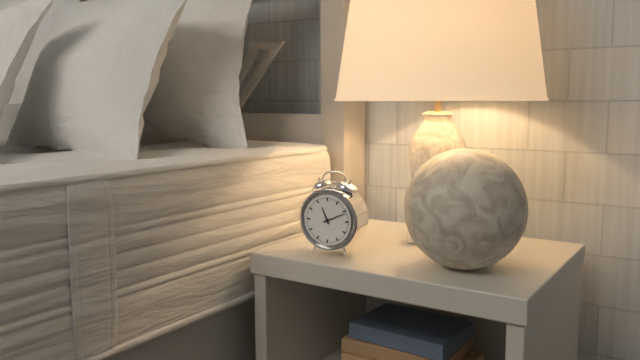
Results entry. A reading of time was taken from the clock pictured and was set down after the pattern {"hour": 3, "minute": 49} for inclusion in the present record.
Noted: {"hour": 11, "minute": 11}
